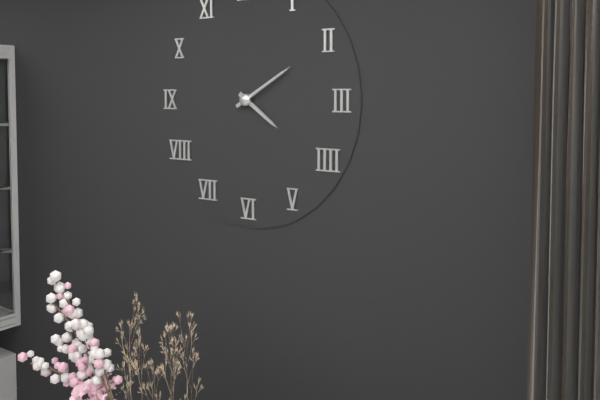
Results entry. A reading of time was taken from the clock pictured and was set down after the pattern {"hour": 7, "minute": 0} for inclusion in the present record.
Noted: {"hour": 4, "minute": 10}
